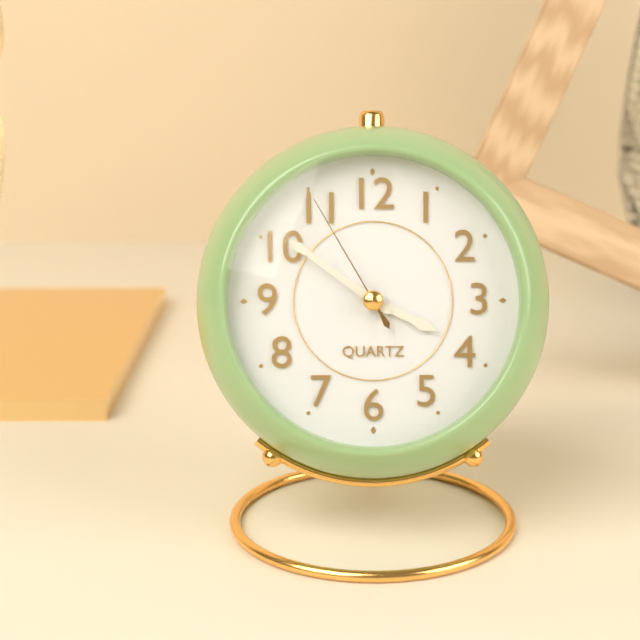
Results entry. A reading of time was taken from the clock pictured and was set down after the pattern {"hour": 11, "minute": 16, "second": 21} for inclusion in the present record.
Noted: {"hour": 3, "minute": 51, "second": 55}
